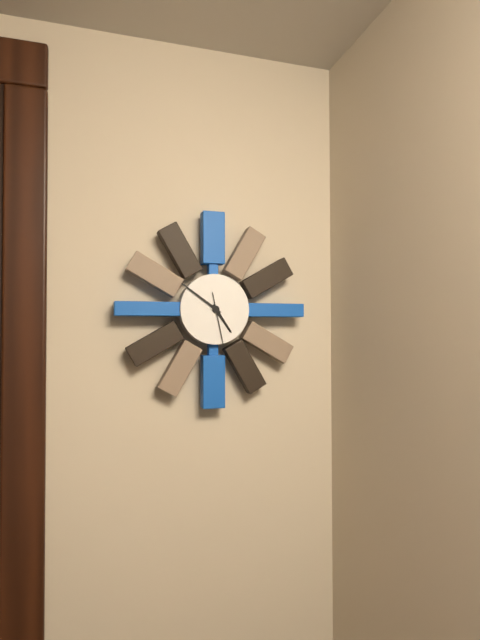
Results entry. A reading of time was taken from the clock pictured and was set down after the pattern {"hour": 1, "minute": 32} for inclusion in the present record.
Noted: {"hour": 4, "minute": 51}
